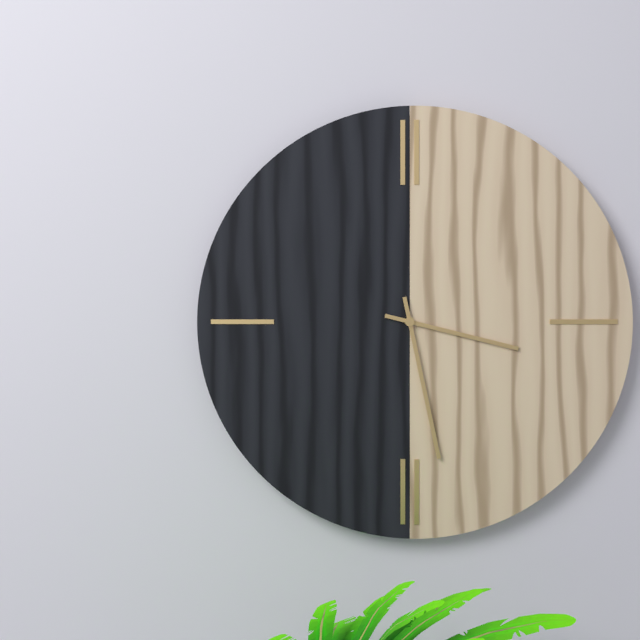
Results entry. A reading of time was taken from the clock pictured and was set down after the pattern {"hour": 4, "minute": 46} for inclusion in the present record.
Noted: {"hour": 3, "minute": 28}
